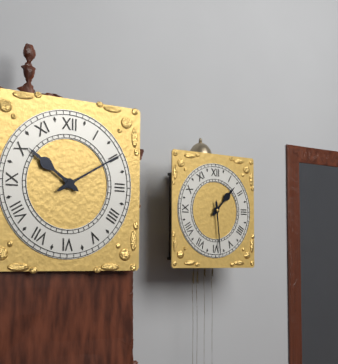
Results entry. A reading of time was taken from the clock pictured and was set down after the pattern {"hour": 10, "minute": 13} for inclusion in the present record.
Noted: {"hour": 1, "minute": 29}
